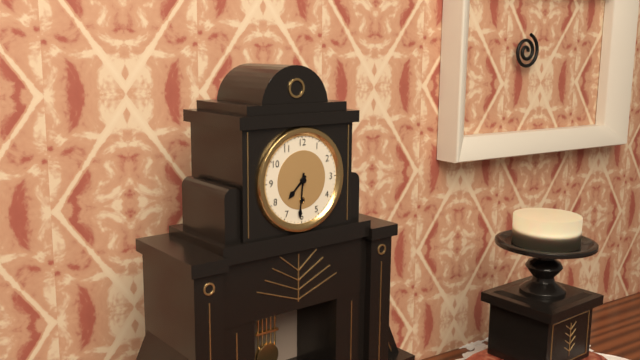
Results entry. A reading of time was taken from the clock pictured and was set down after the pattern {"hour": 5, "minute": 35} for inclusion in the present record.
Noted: {"hour": 7, "minute": 31}
